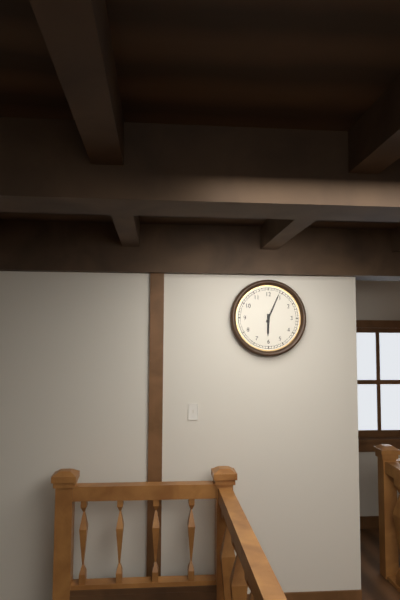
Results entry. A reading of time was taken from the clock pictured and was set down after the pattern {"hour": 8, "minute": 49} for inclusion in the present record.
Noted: {"hour": 6, "minute": 4}
